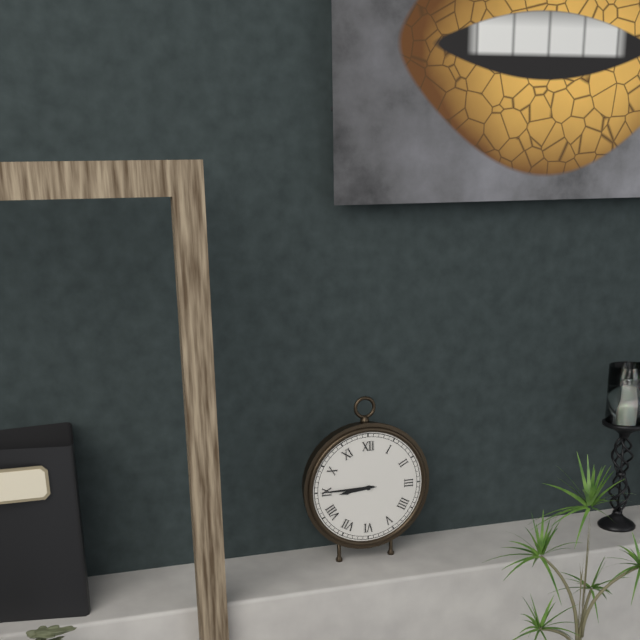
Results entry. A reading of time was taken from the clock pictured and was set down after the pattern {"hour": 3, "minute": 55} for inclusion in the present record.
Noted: {"hour": 8, "minute": 45}
